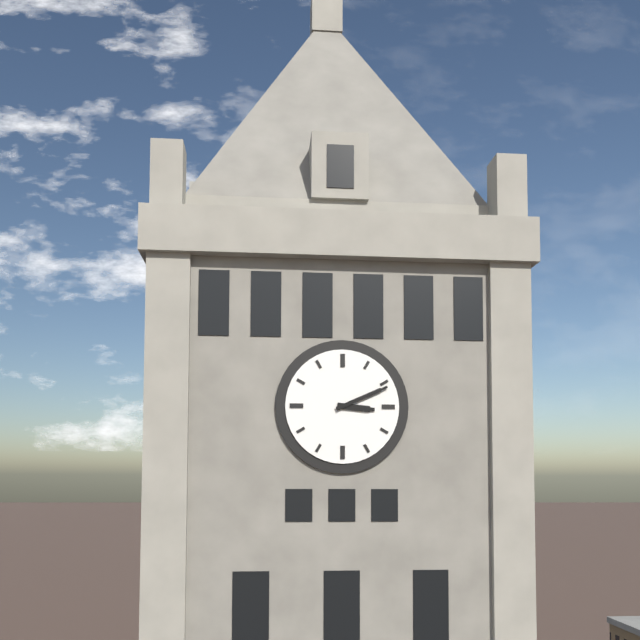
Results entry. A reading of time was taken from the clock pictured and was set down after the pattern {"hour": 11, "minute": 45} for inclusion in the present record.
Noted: {"hour": 3, "minute": 11}
